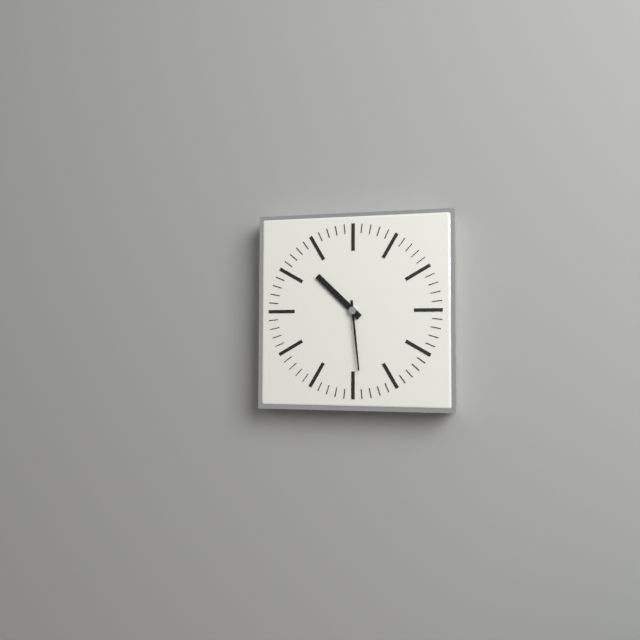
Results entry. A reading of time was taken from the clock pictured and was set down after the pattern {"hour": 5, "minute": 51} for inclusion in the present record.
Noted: {"hour": 10, "minute": 29}
